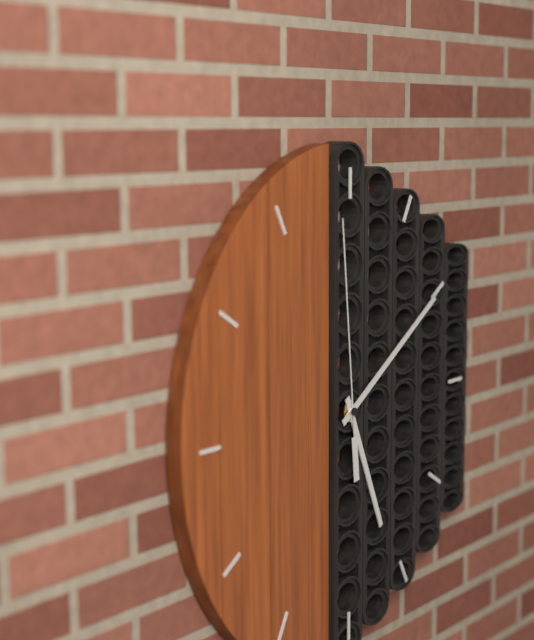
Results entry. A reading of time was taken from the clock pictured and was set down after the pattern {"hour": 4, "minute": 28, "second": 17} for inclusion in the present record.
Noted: {"hour": 5, "minute": 10, "second": 59}
